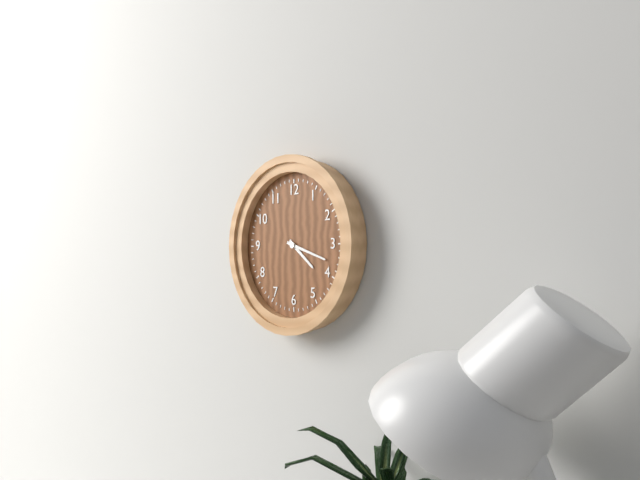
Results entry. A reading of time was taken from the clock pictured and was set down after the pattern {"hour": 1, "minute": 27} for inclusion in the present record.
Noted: {"hour": 4, "minute": 18}
